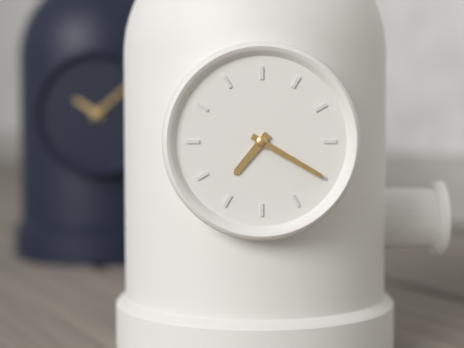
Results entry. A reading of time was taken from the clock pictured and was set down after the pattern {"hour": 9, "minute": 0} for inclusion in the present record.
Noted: {"hour": 7, "minute": 20}
